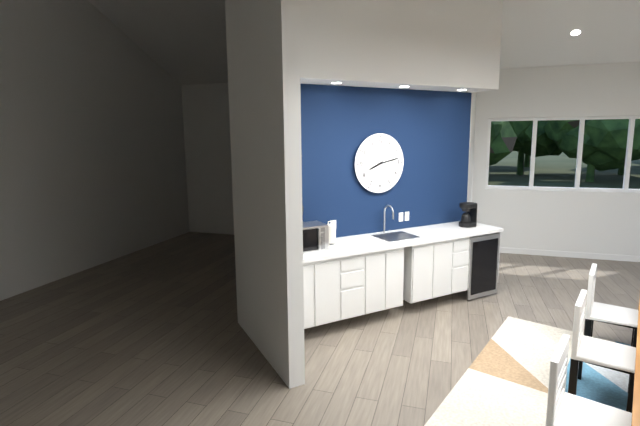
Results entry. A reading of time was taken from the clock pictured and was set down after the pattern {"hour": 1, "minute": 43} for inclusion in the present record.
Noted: {"hour": 8, "minute": 13}
